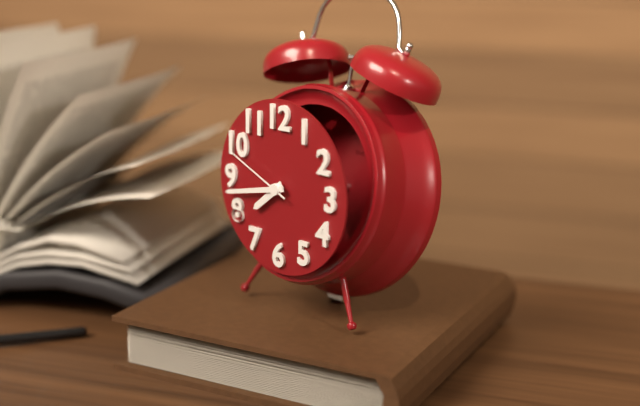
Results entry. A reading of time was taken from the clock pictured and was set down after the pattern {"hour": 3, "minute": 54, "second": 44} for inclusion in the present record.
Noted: {"hour": 7, "minute": 43, "second": 49}
